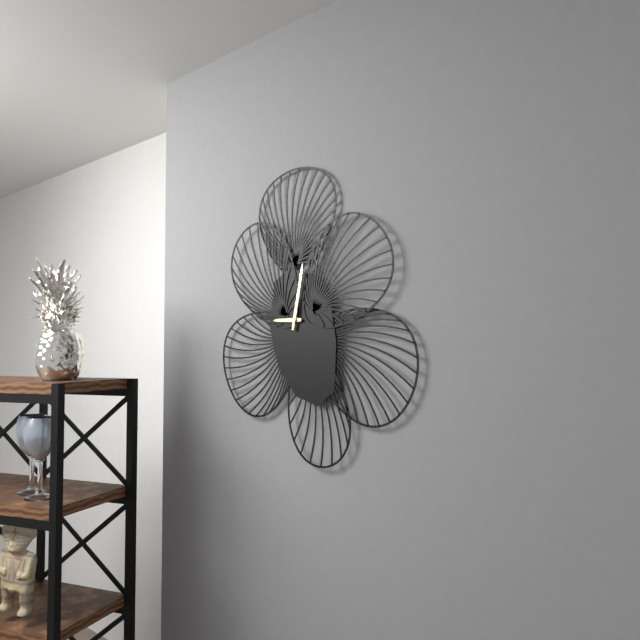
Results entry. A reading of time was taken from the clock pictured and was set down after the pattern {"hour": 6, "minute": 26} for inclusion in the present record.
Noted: {"hour": 9, "minute": 2}
